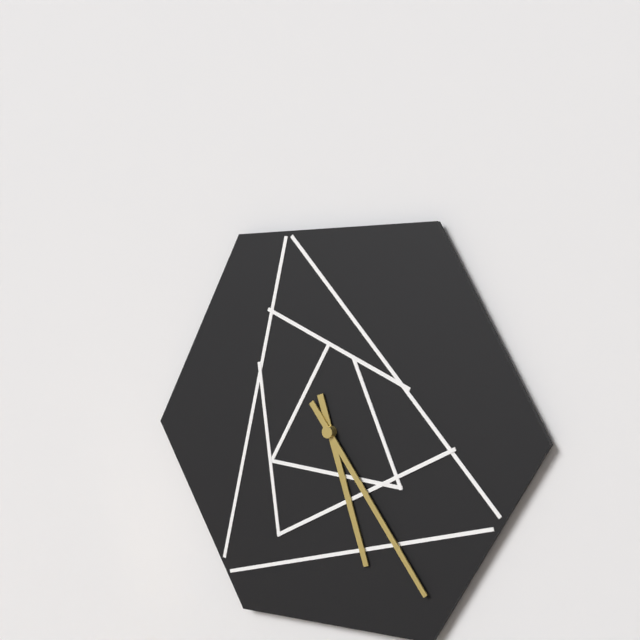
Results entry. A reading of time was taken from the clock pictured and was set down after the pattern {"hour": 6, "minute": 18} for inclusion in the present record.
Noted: {"hour": 5, "minute": 24}
